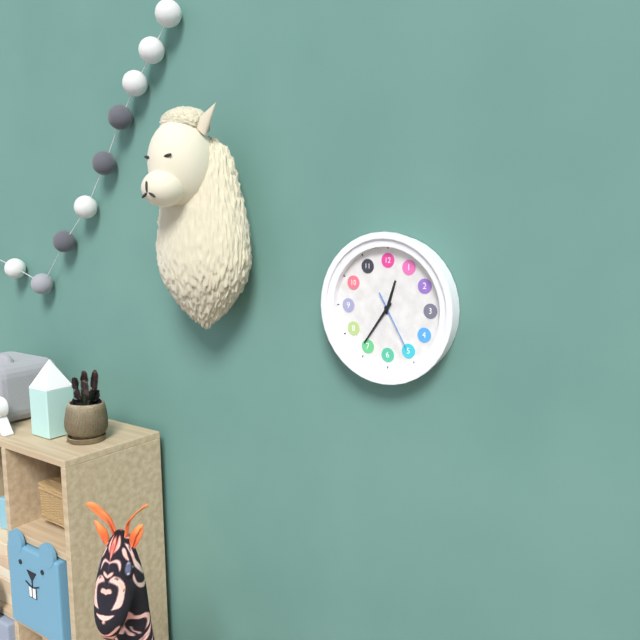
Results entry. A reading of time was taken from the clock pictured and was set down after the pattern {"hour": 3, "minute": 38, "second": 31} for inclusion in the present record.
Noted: {"hour": 12, "minute": 36, "second": 25}
